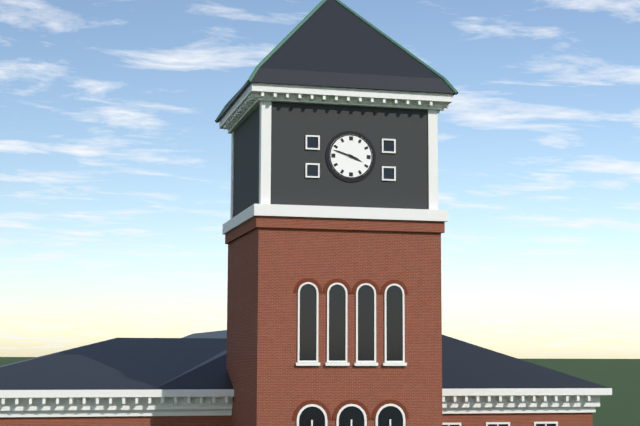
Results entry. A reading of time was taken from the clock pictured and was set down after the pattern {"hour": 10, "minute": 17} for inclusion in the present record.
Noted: {"hour": 3, "minute": 48}
